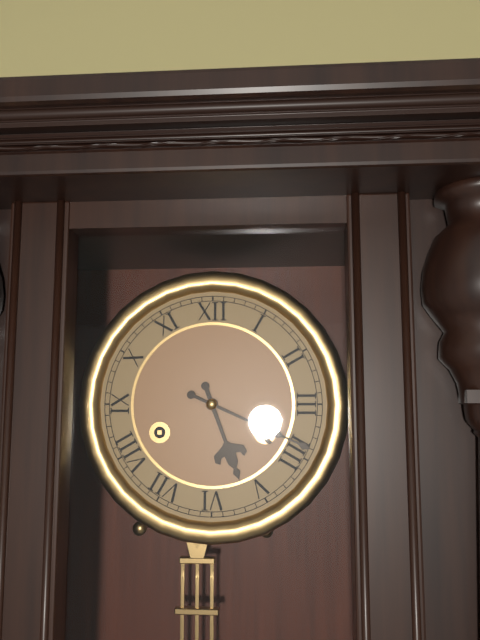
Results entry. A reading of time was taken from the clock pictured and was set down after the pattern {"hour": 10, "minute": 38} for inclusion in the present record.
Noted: {"hour": 5, "minute": 19}
